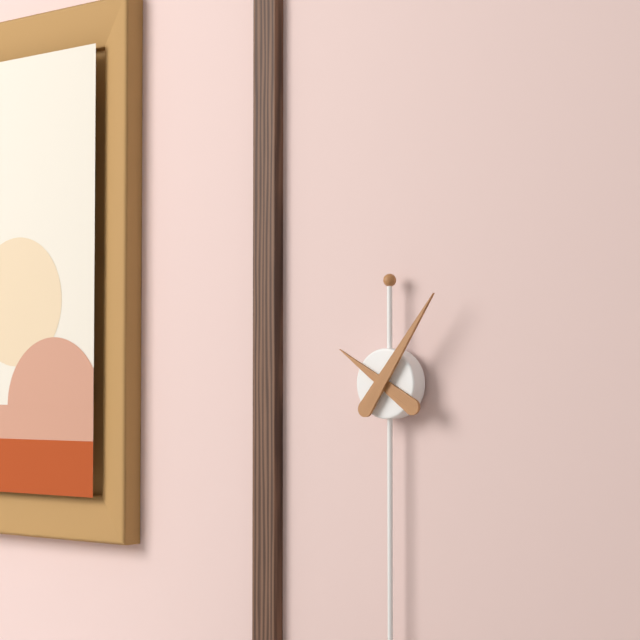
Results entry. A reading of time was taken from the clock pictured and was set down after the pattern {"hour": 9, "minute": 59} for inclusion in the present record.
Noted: {"hour": 10, "minute": 6}
